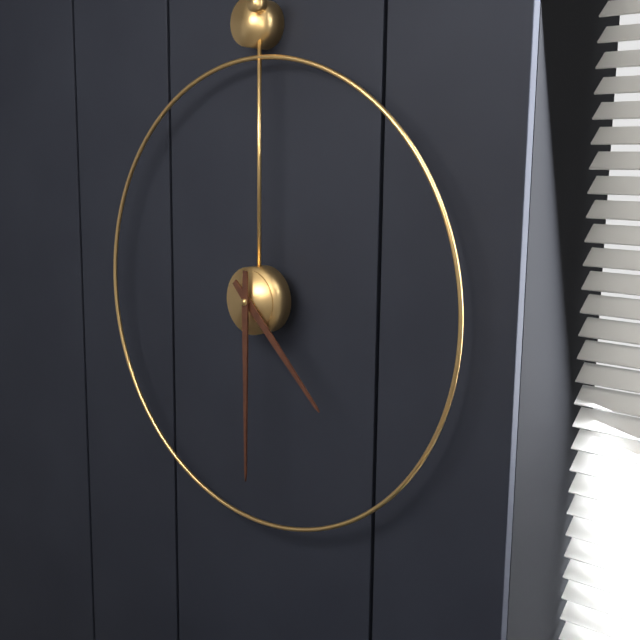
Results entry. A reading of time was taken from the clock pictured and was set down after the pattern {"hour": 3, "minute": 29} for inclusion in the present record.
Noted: {"hour": 4, "minute": 30}
